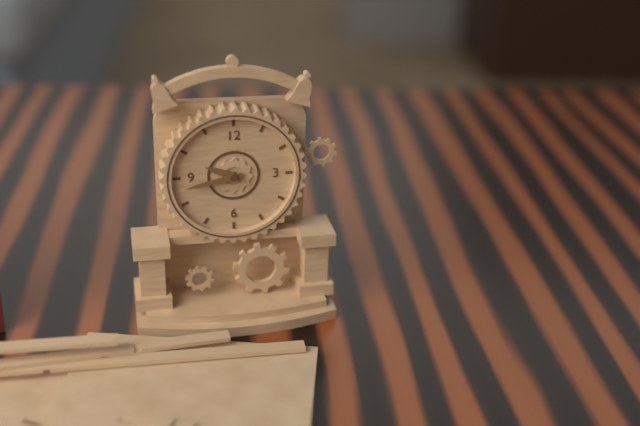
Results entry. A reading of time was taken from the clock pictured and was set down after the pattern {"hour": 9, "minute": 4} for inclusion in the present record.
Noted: {"hour": 9, "minute": 43}
